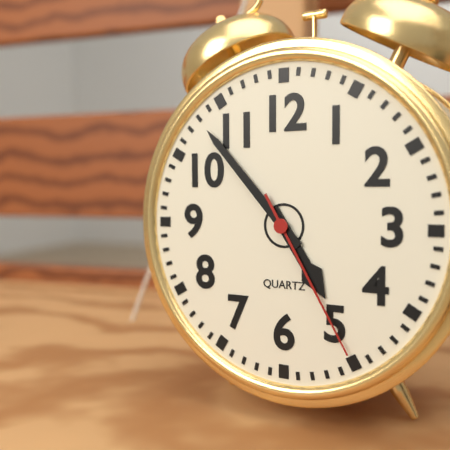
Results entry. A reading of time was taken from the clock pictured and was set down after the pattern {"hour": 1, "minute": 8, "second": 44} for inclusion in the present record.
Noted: {"hour": 4, "minute": 53, "second": 25}
